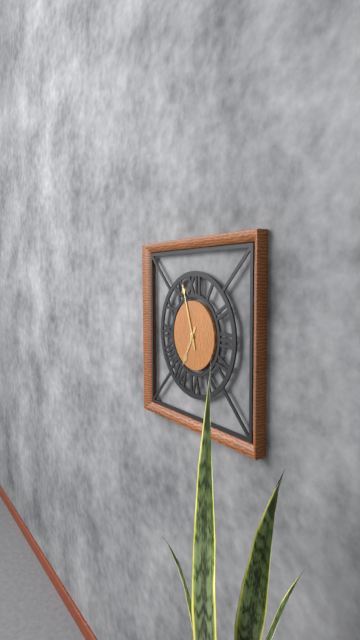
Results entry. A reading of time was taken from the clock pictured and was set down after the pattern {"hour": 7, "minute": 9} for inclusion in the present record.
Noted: {"hour": 6, "minute": 57}
